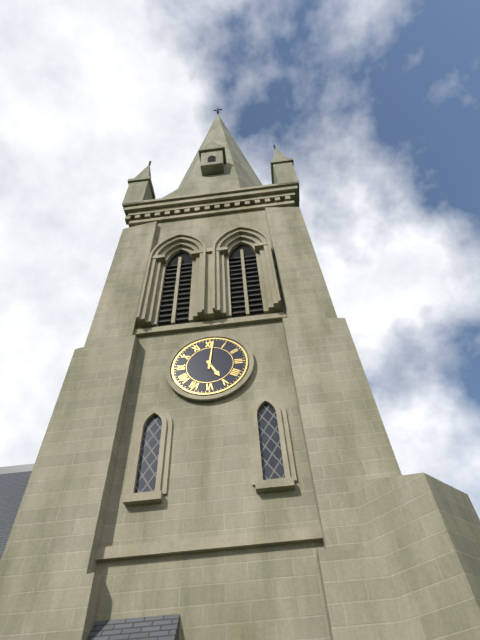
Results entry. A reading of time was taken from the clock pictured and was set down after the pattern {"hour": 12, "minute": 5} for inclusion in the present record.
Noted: {"hour": 5, "minute": 1}
